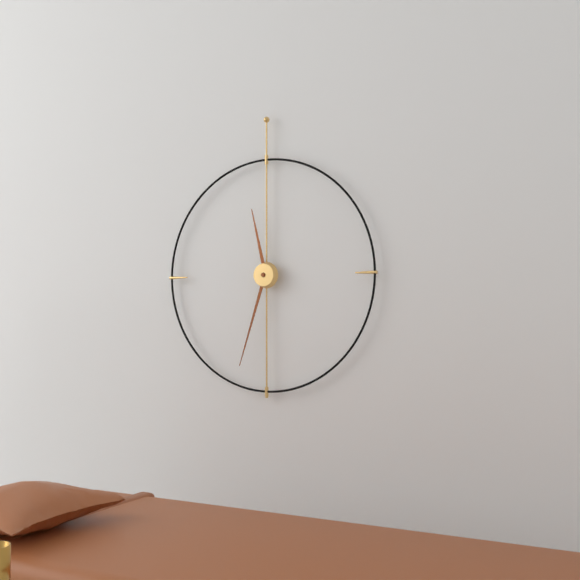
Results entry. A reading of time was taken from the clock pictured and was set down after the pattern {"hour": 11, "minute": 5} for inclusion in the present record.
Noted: {"hour": 11, "minute": 33}
